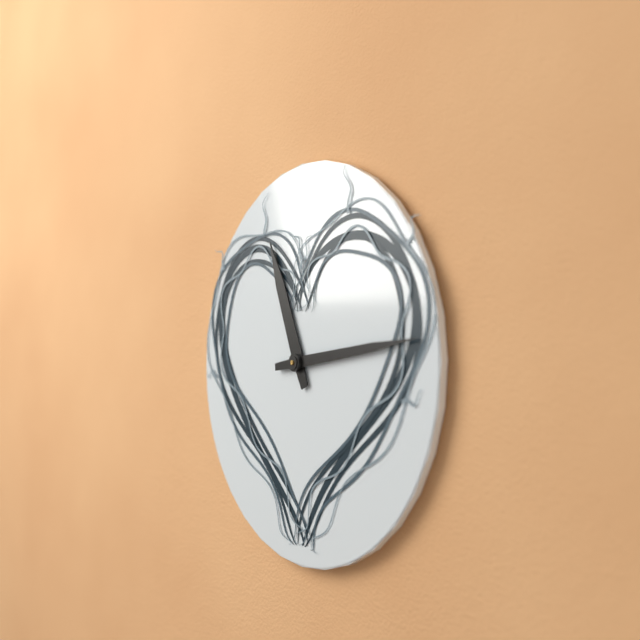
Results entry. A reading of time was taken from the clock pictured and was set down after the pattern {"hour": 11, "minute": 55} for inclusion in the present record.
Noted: {"hour": 11, "minute": 14}
